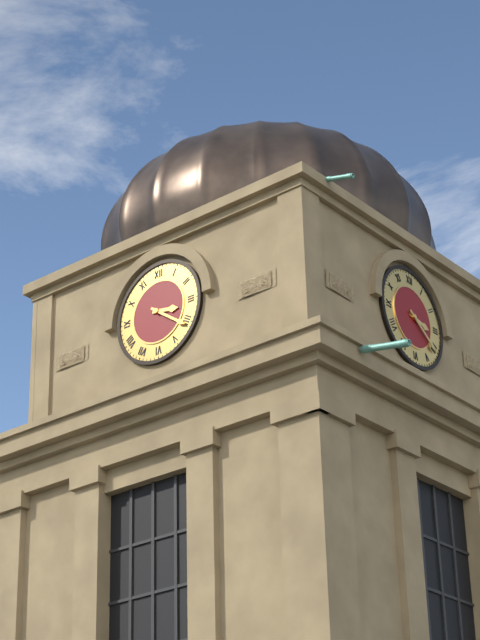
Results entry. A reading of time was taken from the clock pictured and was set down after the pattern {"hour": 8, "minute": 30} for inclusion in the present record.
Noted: {"hour": 3, "minute": 21}
